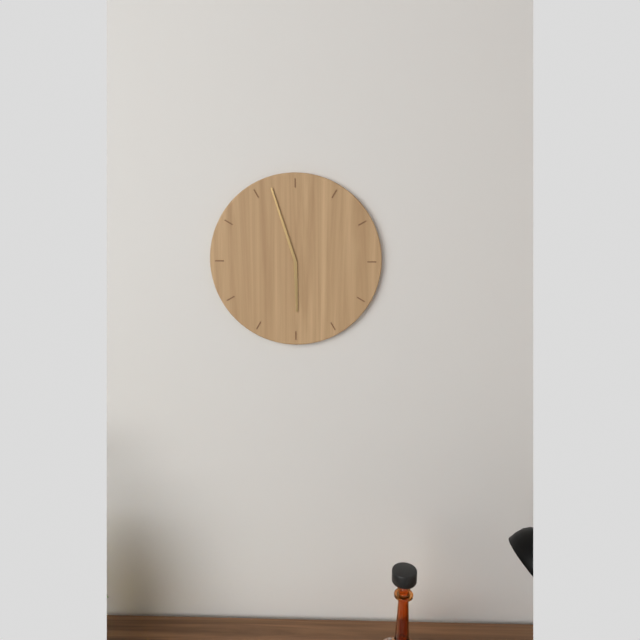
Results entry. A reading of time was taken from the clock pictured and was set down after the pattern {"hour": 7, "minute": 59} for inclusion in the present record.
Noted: {"hour": 5, "minute": 57}
